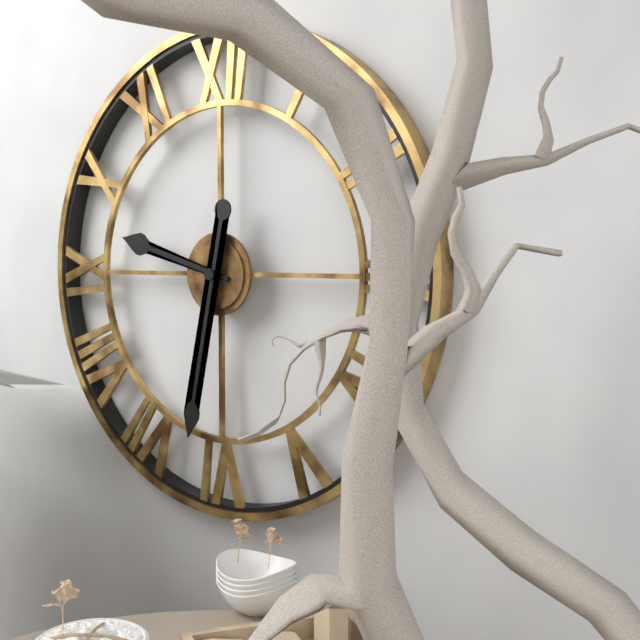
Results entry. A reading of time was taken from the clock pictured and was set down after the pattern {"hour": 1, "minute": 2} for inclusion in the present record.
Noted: {"hour": 9, "minute": 32}
